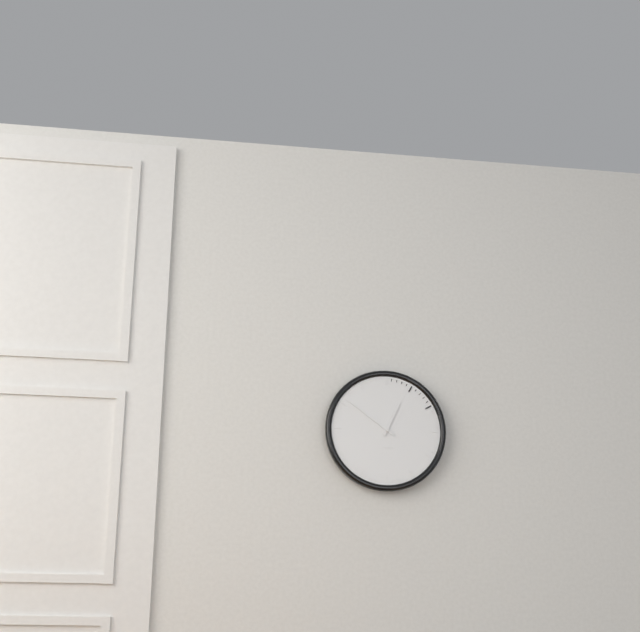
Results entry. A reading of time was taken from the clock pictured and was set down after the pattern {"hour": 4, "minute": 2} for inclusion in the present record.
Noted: {"hour": 12, "minute": 51}
